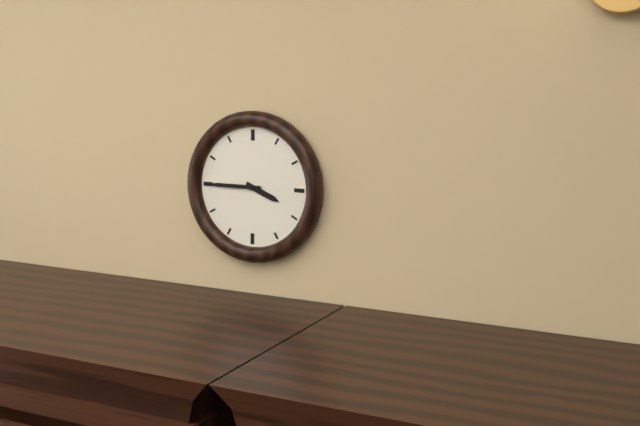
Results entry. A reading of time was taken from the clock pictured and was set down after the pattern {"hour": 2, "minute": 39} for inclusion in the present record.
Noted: {"hour": 3, "minute": 45}
